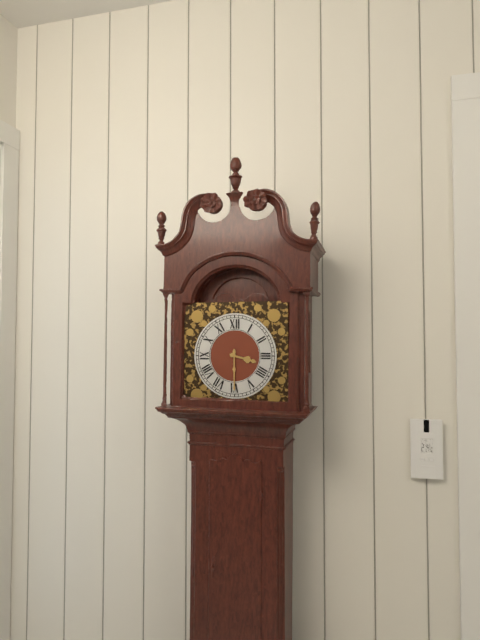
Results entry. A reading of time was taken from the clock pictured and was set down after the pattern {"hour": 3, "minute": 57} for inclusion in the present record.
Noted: {"hour": 3, "minute": 30}
